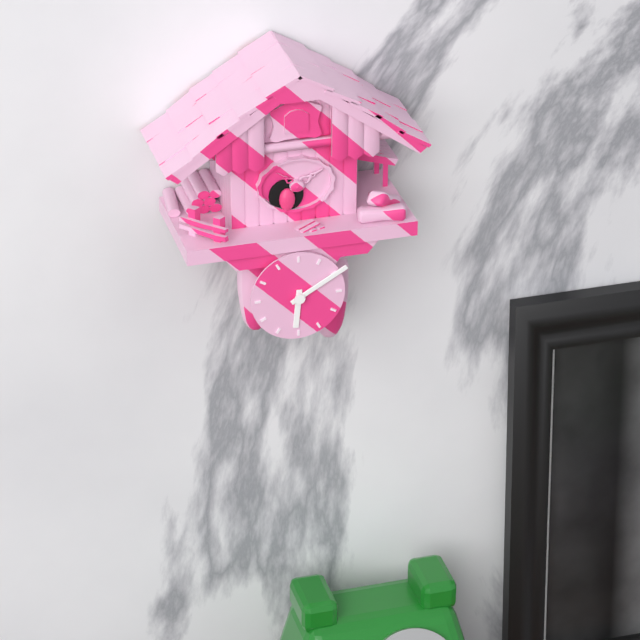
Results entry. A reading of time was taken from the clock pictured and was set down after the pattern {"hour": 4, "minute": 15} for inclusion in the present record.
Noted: {"hour": 6, "minute": 10}
